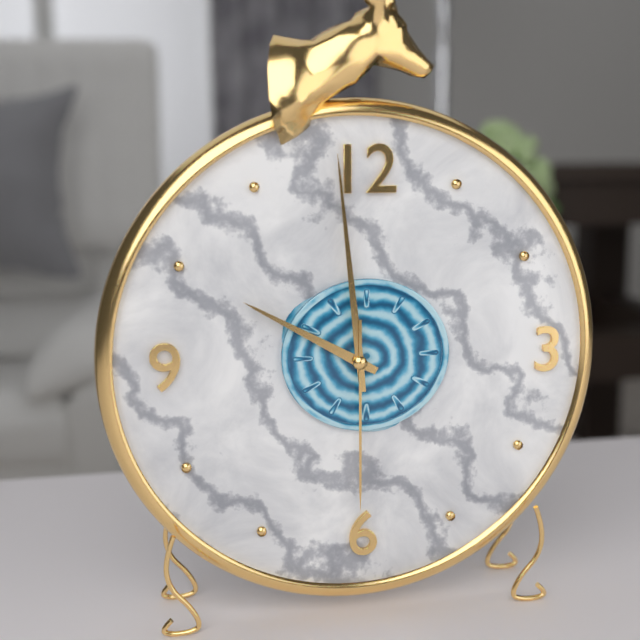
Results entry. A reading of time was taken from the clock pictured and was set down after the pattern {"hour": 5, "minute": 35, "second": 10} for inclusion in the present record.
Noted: {"hour": 9, "minute": 59, "second": 30}
